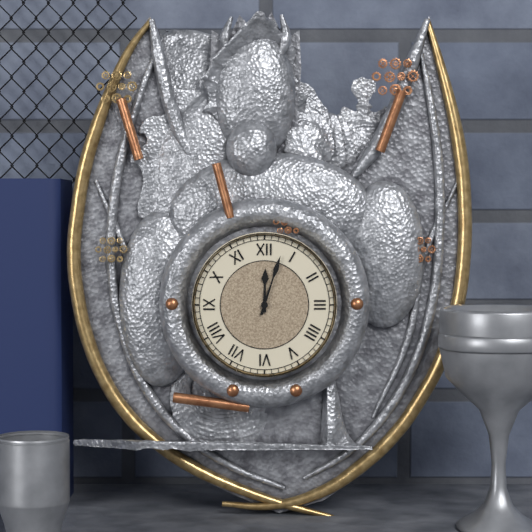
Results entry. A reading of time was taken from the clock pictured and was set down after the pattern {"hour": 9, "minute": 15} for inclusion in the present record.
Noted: {"hour": 12, "minute": 3}
